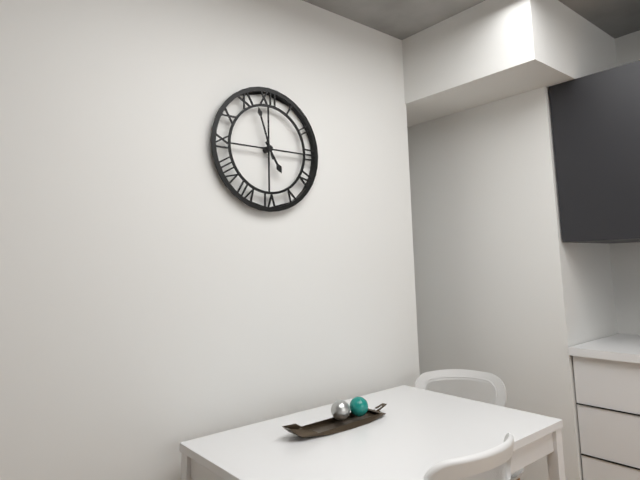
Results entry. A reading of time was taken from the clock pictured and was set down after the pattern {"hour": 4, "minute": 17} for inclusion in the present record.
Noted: {"hour": 4, "minute": 57}
